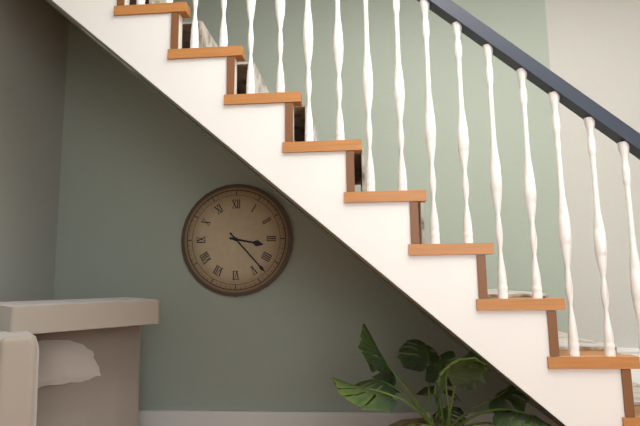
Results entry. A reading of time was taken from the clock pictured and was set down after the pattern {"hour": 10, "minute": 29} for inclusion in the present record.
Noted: {"hour": 3, "minute": 23}
